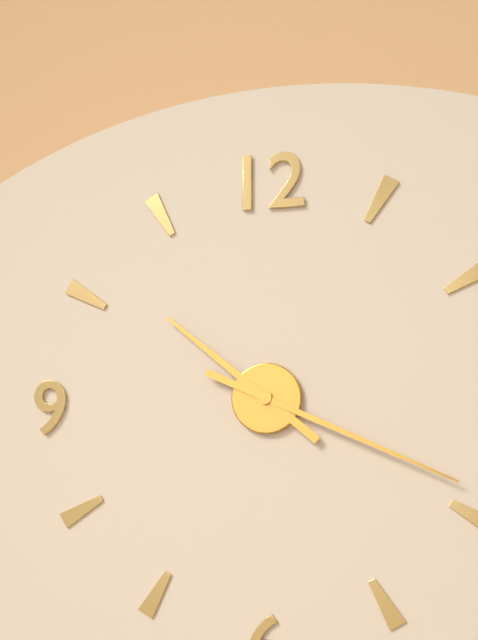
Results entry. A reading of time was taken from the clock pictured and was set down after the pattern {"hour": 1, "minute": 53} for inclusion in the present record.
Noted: {"hour": 10, "minute": 19}
